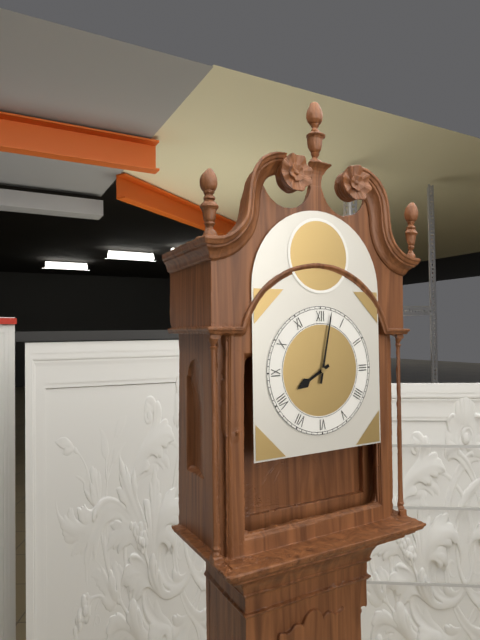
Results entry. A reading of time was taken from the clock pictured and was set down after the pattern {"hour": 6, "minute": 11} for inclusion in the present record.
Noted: {"hour": 8, "minute": 2}
